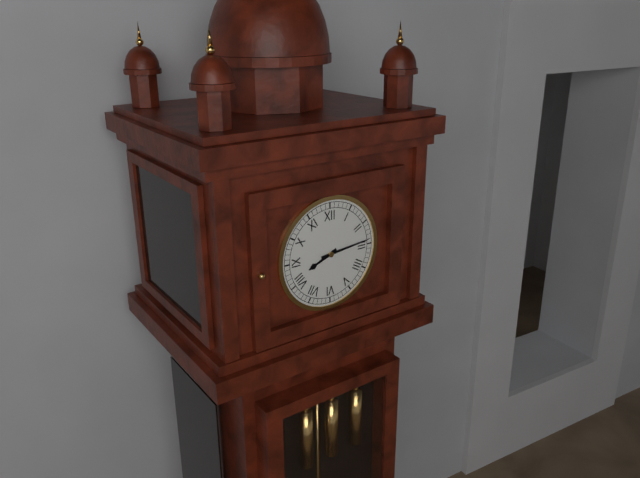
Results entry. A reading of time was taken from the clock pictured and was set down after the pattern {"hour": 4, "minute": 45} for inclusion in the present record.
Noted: {"hour": 8, "minute": 14}
